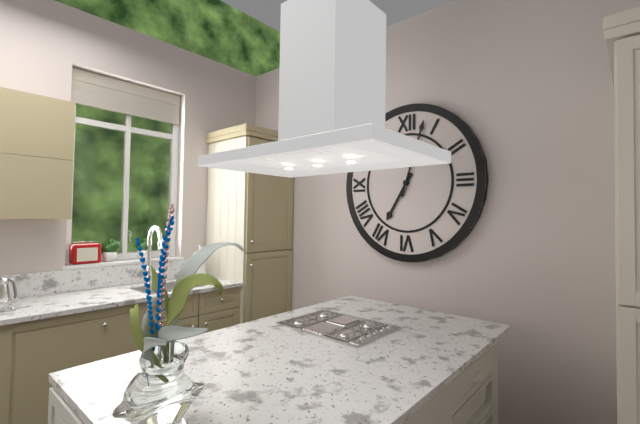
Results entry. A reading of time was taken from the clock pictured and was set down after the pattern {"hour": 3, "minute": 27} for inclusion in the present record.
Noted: {"hour": 7, "minute": 3}
